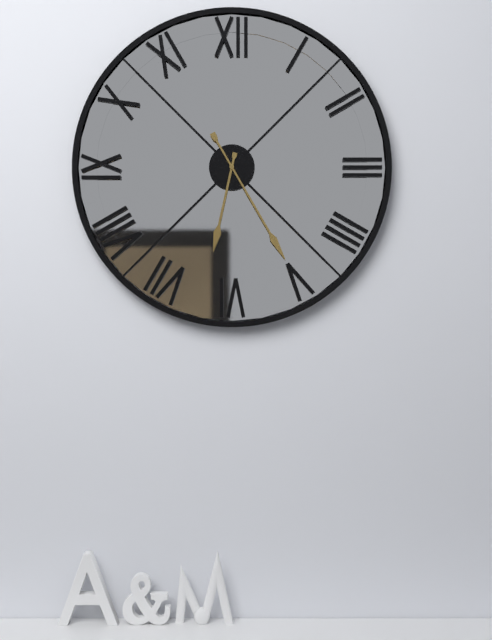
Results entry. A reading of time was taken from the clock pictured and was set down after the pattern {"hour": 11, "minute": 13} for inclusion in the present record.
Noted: {"hour": 6, "minute": 25}
